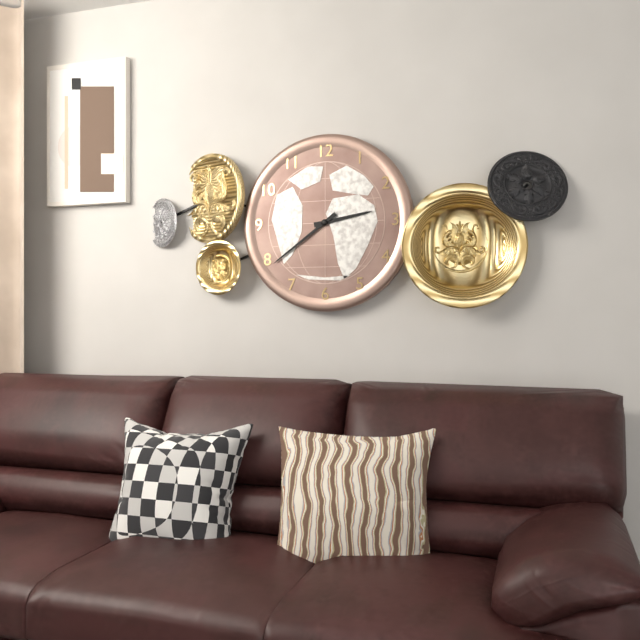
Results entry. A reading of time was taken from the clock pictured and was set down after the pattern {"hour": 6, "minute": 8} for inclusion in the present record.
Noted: {"hour": 2, "minute": 39}
